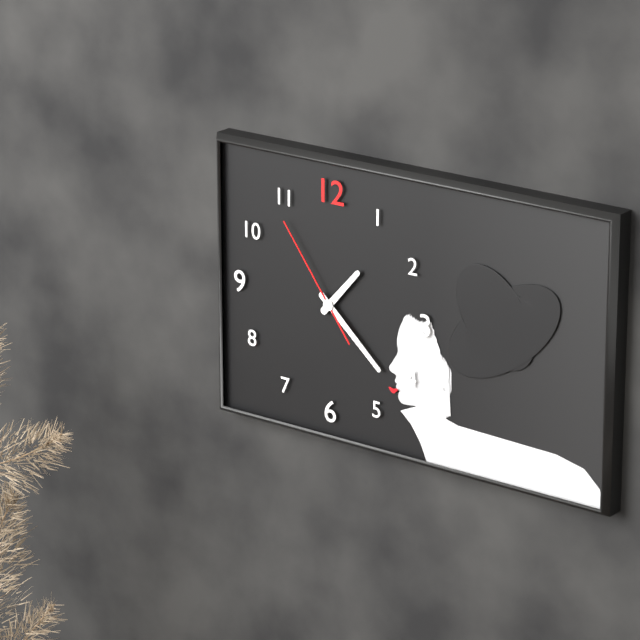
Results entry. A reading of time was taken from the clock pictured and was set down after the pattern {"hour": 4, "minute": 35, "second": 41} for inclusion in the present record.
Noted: {"hour": 1, "minute": 22, "second": 54}
